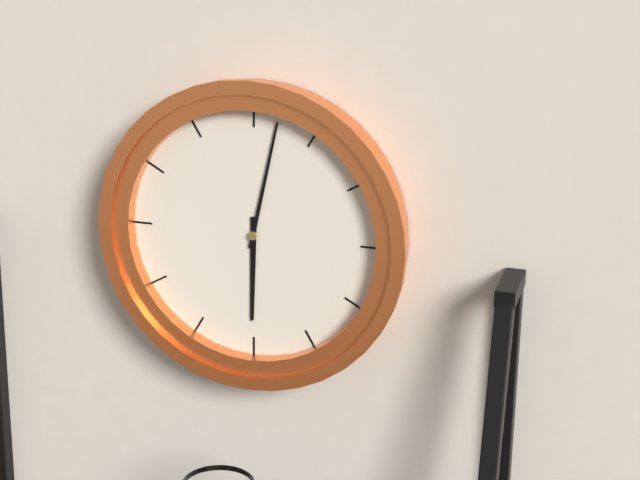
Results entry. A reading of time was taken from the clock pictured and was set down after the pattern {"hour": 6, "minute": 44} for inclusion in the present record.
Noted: {"hour": 6, "minute": 2}
